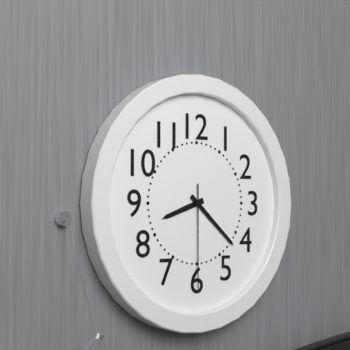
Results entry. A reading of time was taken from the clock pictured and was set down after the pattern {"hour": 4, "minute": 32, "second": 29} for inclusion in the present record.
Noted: {"hour": 8, "minute": 22, "second": 30}
